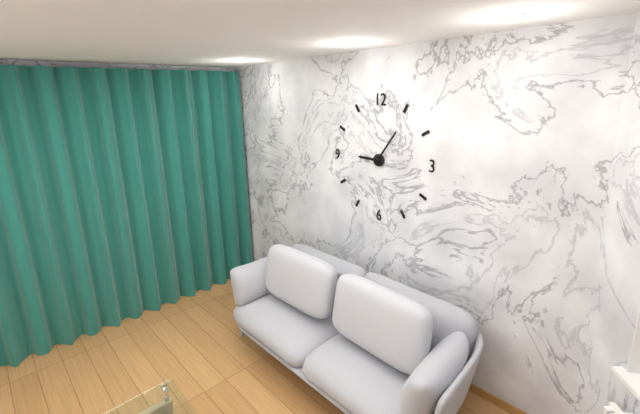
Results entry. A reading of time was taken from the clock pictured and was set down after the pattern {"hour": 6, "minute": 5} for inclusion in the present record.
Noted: {"hour": 9, "minute": 6}
